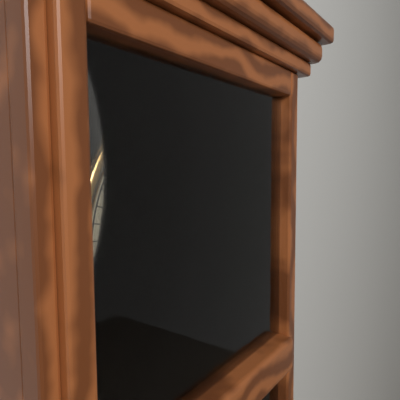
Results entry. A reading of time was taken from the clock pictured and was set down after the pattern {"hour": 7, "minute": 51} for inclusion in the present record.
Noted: {"hour": 6, "minute": 24}
